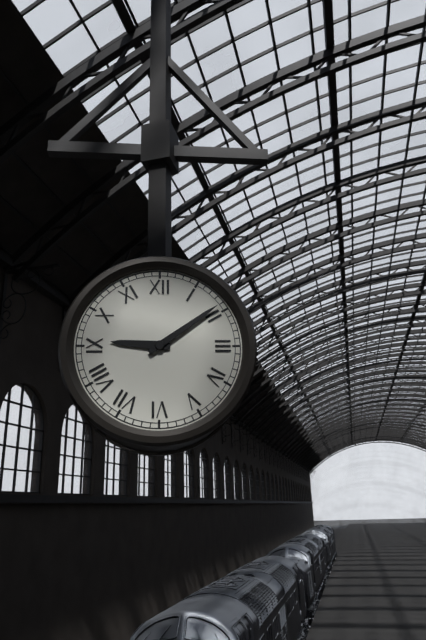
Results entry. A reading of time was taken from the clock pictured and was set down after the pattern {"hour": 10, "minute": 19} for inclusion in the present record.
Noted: {"hour": 9, "minute": 9}
